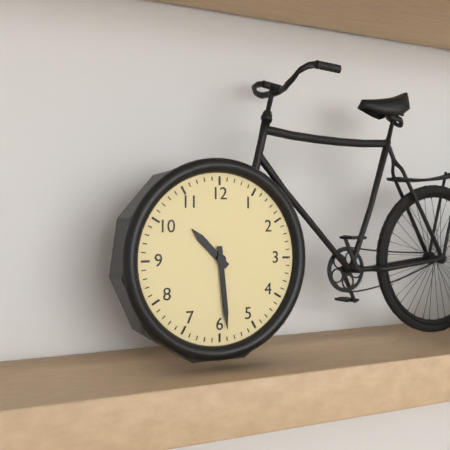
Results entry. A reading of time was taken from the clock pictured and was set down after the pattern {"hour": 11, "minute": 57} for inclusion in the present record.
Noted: {"hour": 10, "minute": 29}
